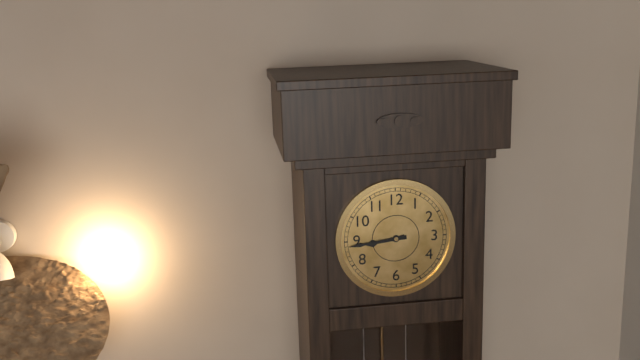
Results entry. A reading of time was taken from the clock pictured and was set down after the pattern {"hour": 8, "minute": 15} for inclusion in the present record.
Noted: {"hour": 8, "minute": 44}
